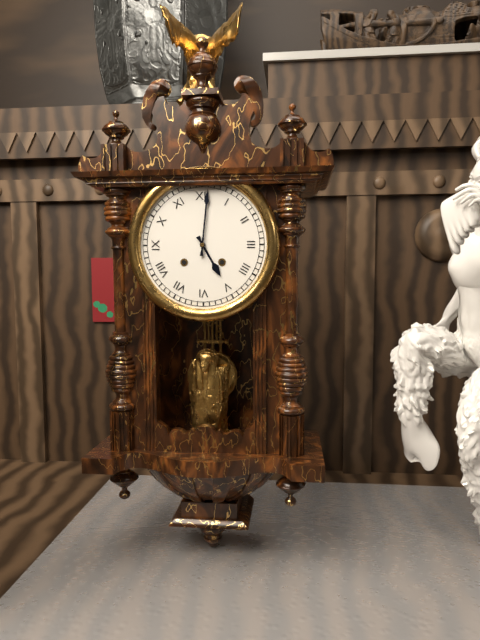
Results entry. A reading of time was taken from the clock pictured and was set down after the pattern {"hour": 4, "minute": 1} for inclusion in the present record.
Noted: {"hour": 5, "minute": 1}
